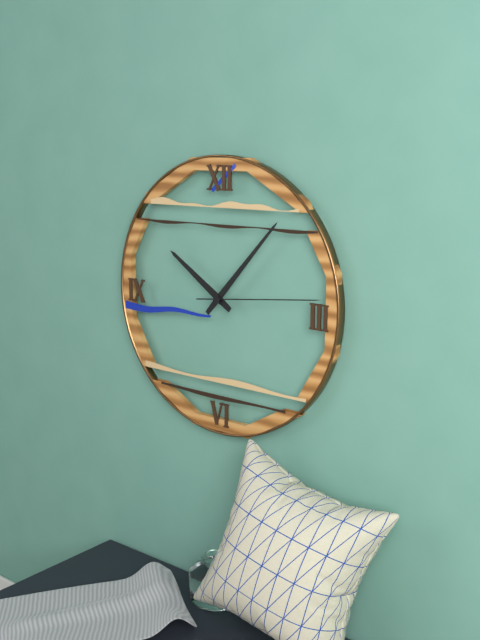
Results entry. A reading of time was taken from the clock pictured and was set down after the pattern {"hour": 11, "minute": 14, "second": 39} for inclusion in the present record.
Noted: {"hour": 10, "minute": 7, "second": 14}
